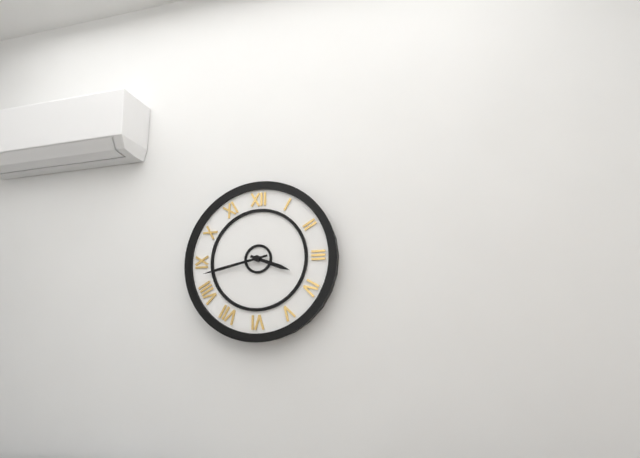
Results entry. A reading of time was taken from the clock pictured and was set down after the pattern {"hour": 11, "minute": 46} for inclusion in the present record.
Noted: {"hour": 3, "minute": 43}
